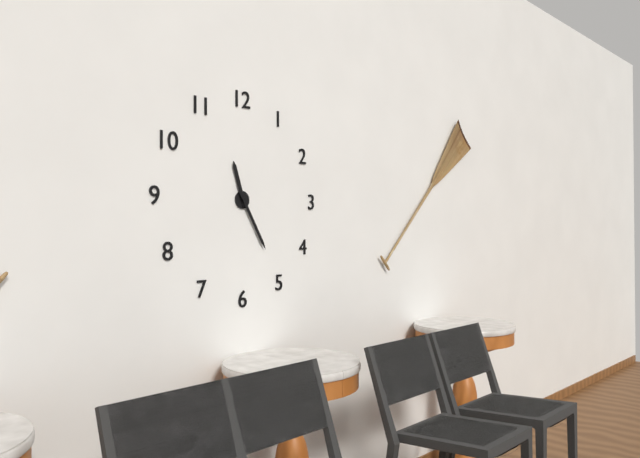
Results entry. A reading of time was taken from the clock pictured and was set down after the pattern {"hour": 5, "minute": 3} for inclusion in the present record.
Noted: {"hour": 11, "minute": 25}
